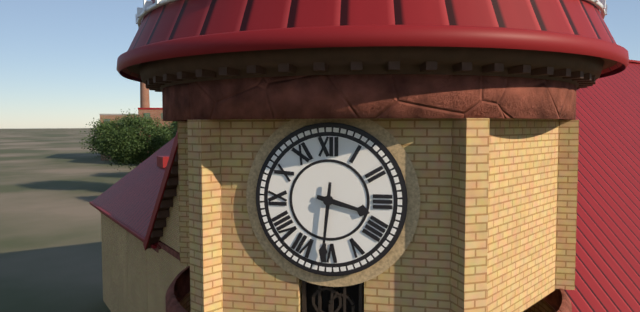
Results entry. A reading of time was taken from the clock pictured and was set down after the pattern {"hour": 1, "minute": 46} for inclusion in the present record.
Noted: {"hour": 3, "minute": 31}
